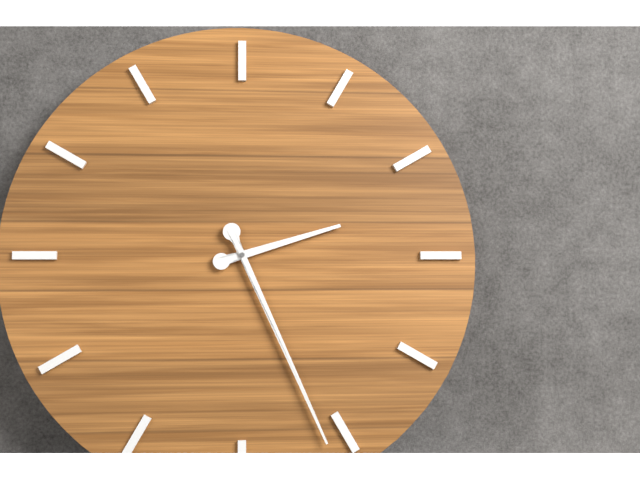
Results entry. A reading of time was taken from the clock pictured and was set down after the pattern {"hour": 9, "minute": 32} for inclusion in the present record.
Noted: {"hour": 2, "minute": 26}
